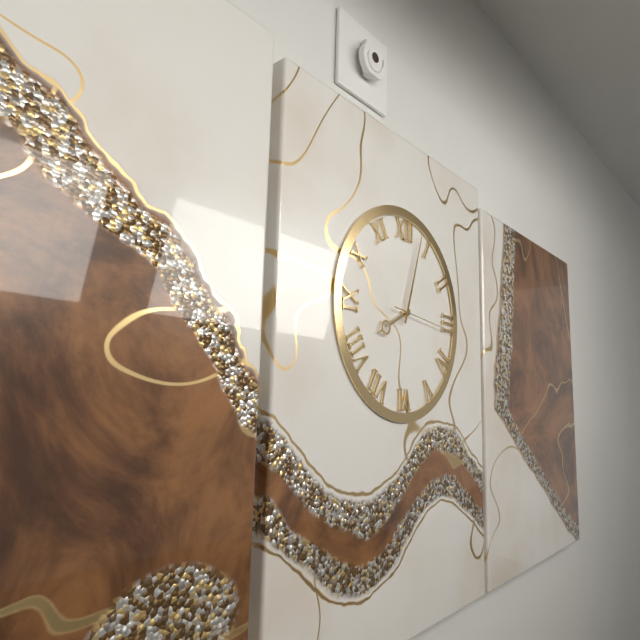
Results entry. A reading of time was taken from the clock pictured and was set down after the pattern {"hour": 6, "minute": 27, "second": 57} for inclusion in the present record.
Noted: {"hour": 8, "minute": 3, "second": 16}
